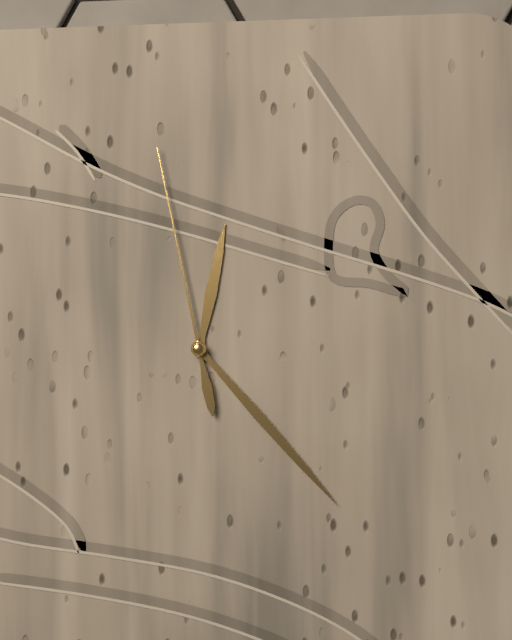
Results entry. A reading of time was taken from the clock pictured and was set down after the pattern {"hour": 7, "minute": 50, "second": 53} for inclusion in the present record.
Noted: {"hour": 12, "minute": 23, "second": 58}
